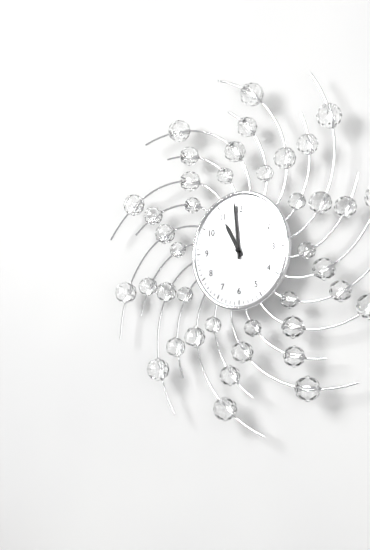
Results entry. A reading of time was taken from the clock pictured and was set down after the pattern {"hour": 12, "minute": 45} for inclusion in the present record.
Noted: {"hour": 10, "minute": 59}
